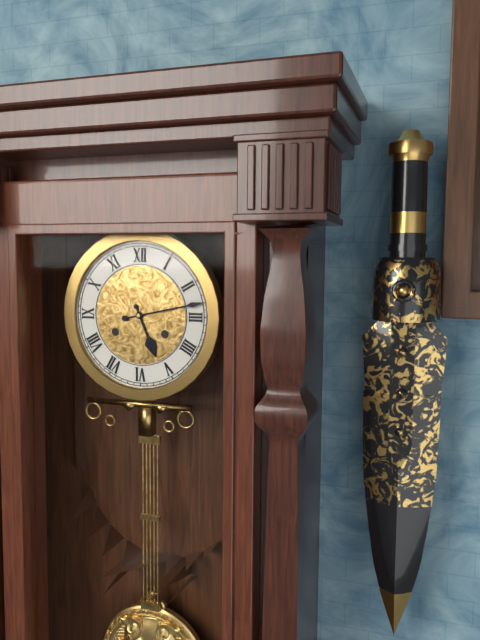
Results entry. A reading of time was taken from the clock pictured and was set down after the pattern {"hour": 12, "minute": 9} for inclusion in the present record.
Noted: {"hour": 5, "minute": 13}
